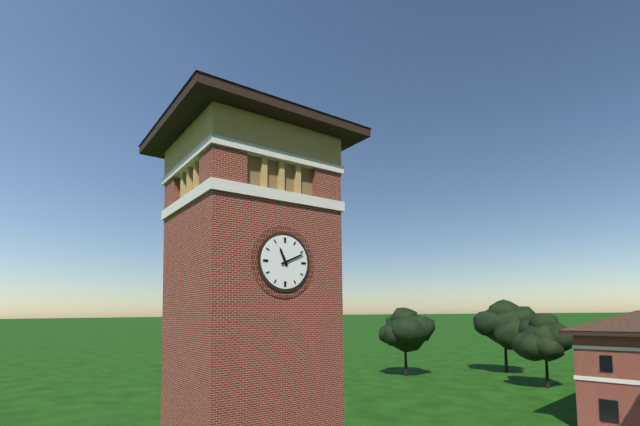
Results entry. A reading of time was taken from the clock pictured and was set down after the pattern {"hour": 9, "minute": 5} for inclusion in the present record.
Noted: {"hour": 11, "minute": 11}
